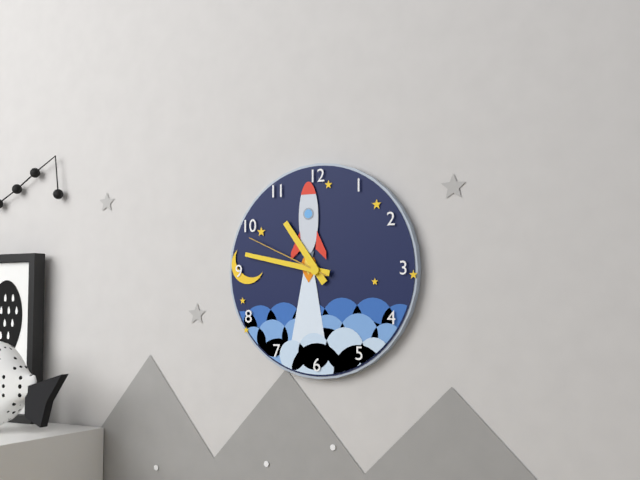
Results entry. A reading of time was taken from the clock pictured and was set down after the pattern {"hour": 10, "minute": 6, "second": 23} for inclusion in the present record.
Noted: {"hour": 10, "minute": 47, "second": 49}
